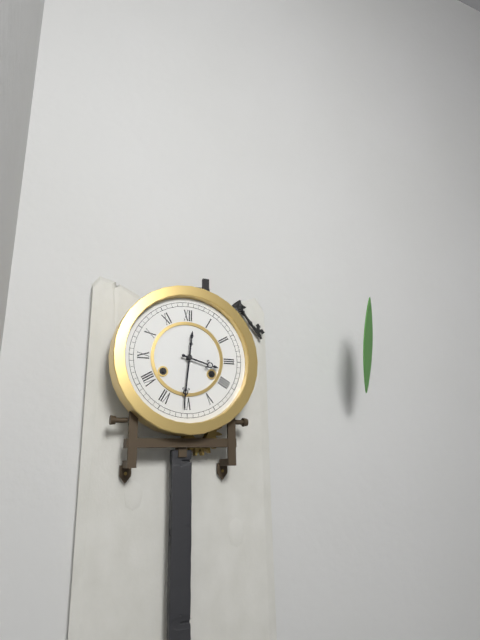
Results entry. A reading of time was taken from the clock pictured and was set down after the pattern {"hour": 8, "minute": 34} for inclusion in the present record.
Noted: {"hour": 3, "minute": 31}
